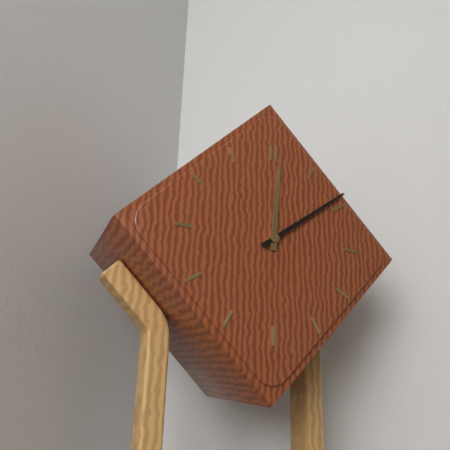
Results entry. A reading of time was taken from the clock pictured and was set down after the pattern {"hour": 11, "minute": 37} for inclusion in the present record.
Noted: {"hour": 12, "minute": 9}
